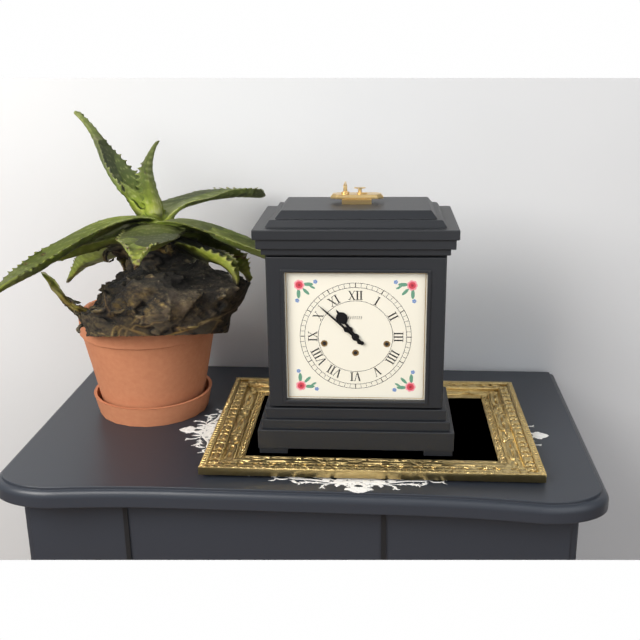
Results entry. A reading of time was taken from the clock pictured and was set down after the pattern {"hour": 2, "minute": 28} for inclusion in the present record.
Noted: {"hour": 10, "minute": 52}
